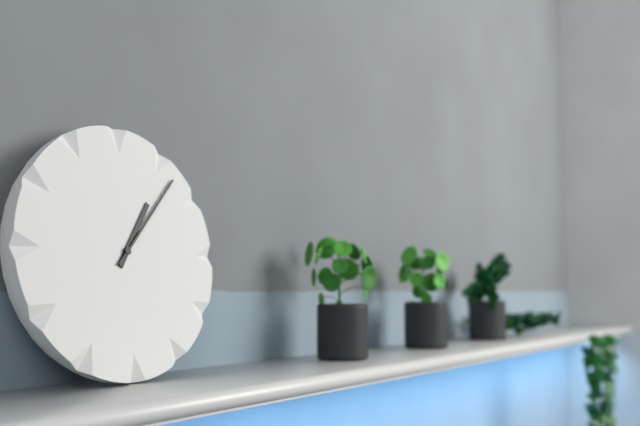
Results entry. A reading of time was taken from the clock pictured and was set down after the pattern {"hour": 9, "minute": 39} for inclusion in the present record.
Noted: {"hour": 1, "minute": 7}
